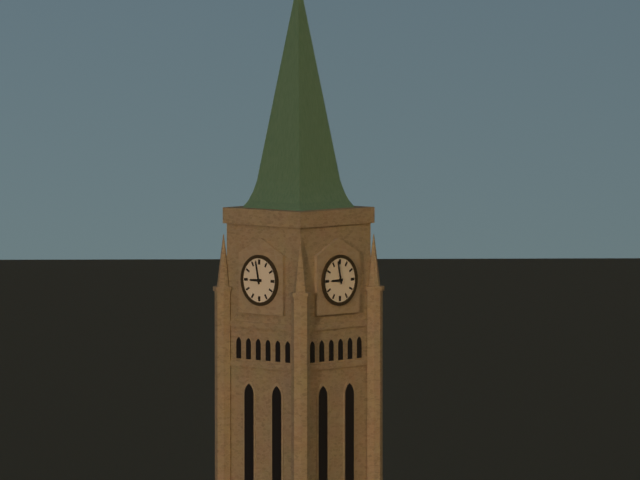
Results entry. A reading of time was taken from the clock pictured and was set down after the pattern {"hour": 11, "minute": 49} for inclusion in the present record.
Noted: {"hour": 8, "minute": 58}
